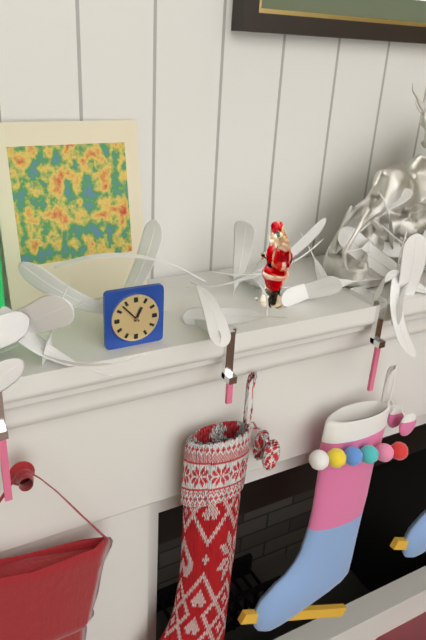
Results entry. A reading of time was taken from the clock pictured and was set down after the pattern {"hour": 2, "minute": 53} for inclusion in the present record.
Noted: {"hour": 12, "minute": 53}
